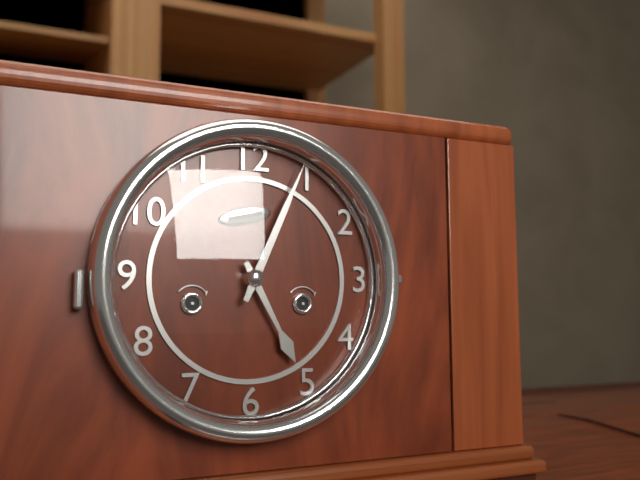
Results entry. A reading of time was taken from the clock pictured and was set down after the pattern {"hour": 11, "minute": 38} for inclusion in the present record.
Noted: {"hour": 5, "minute": 4}
